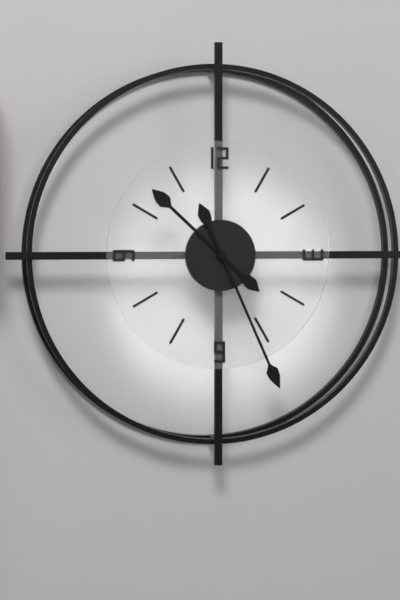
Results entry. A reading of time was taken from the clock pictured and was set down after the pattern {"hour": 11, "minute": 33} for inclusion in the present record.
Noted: {"hour": 10, "minute": 26}
